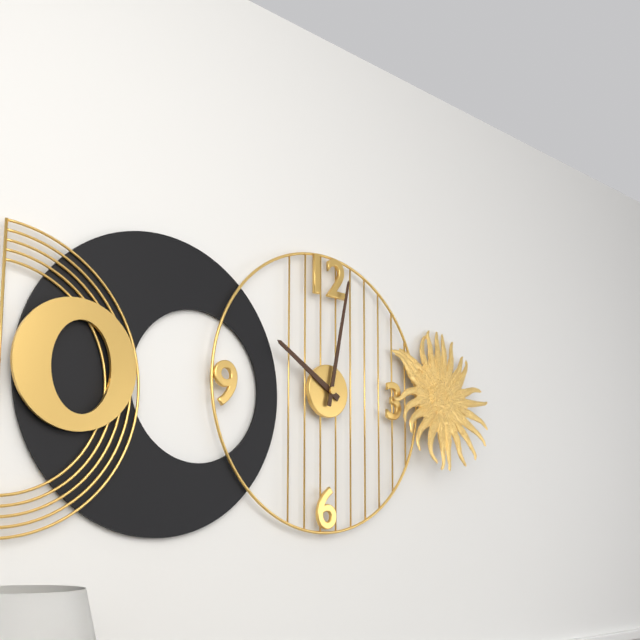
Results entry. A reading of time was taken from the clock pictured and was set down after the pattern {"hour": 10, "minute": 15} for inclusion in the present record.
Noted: {"hour": 10, "minute": 2}
